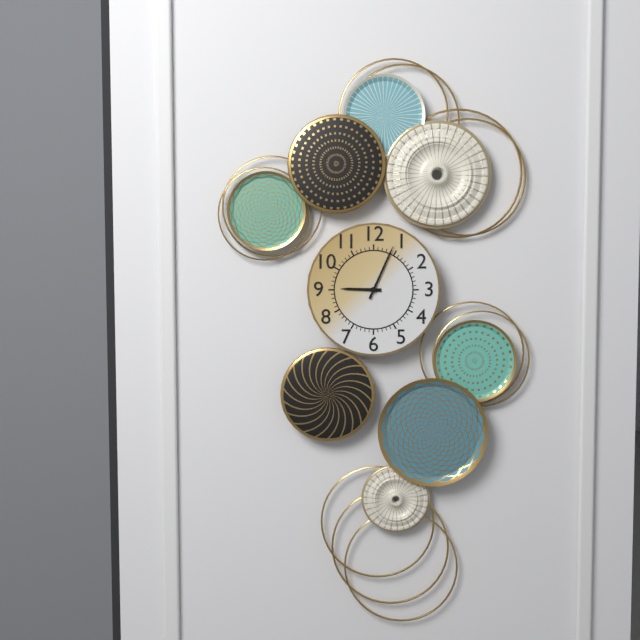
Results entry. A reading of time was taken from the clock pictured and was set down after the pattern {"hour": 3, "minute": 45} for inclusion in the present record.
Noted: {"hour": 9, "minute": 4}
